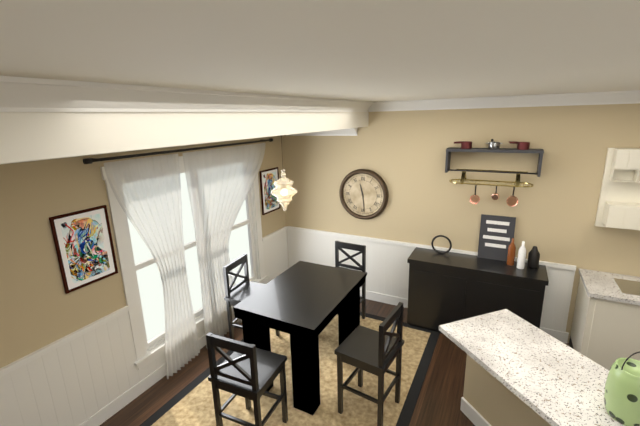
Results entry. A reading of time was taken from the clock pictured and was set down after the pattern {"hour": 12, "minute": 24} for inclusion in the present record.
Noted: {"hour": 11, "minute": 29}
